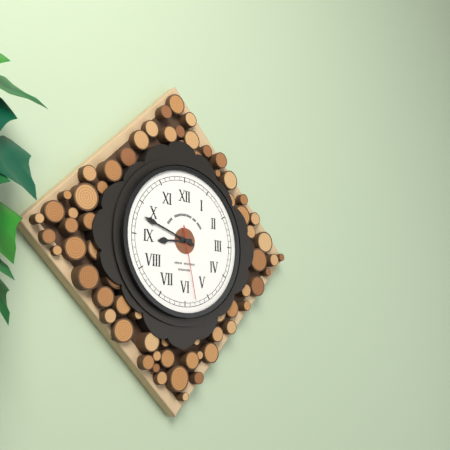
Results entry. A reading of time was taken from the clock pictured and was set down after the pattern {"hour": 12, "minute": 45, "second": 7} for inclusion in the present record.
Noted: {"hour": 8, "minute": 48, "second": 28}
